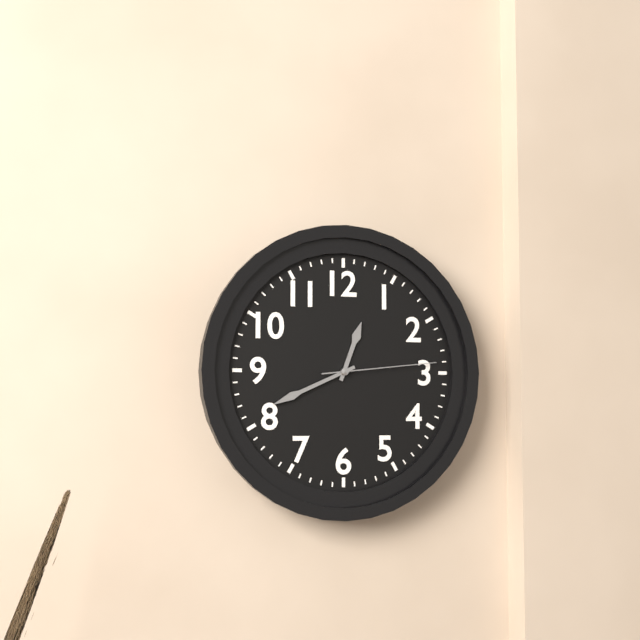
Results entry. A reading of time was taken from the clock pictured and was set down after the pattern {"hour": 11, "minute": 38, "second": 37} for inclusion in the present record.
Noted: {"hour": 12, "minute": 41, "second": 14}
